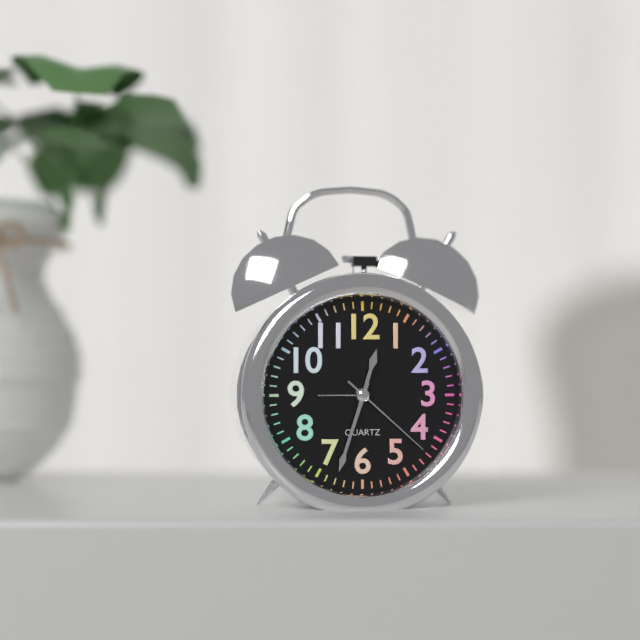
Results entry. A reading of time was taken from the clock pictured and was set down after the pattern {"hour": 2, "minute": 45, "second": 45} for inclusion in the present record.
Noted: {"hour": 12, "minute": 33, "second": 22}
